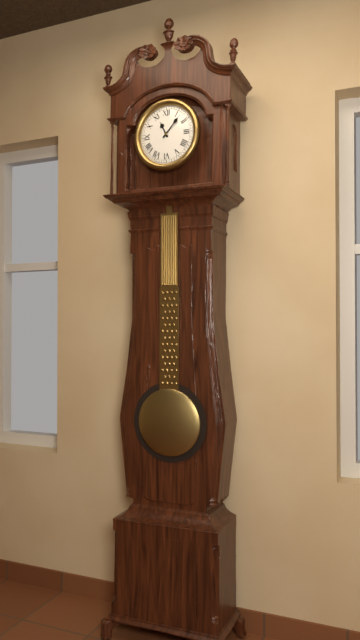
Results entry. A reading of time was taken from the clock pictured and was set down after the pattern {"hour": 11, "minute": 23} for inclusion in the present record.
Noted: {"hour": 11, "minute": 7}
